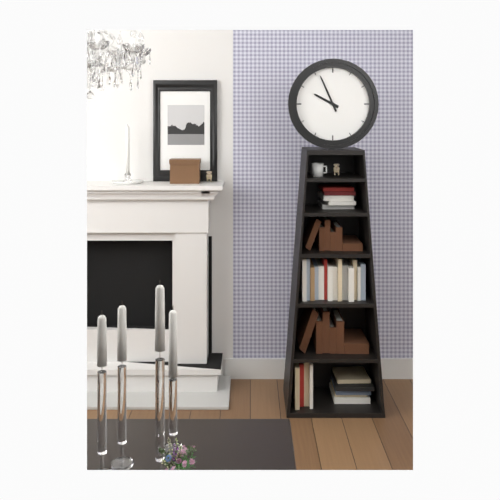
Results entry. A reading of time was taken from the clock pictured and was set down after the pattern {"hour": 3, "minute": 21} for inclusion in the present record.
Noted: {"hour": 9, "minute": 56}
